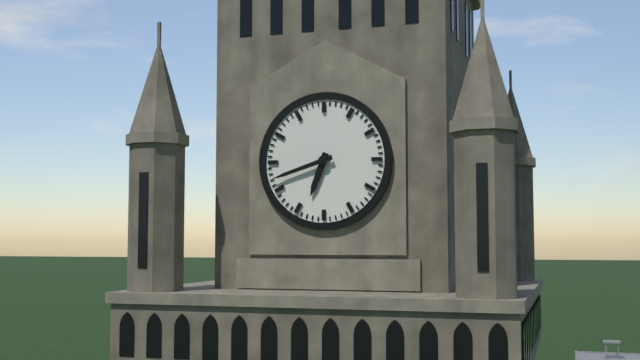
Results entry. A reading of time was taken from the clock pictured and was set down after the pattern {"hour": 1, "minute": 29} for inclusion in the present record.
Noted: {"hour": 6, "minute": 42}
